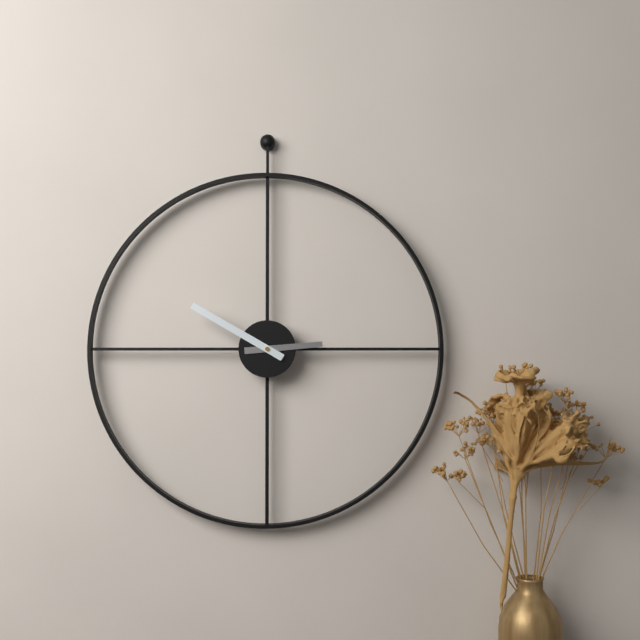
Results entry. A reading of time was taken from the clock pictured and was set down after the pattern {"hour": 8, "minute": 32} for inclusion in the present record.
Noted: {"hour": 2, "minute": 50}
